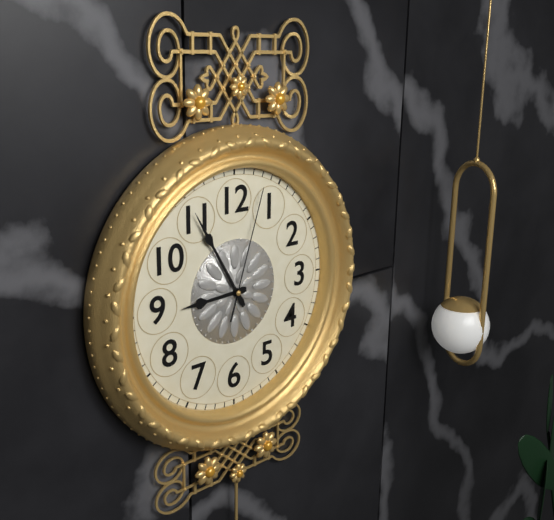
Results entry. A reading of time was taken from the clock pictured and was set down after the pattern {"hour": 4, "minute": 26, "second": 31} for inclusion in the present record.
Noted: {"hour": 8, "minute": 55, "second": 3}
